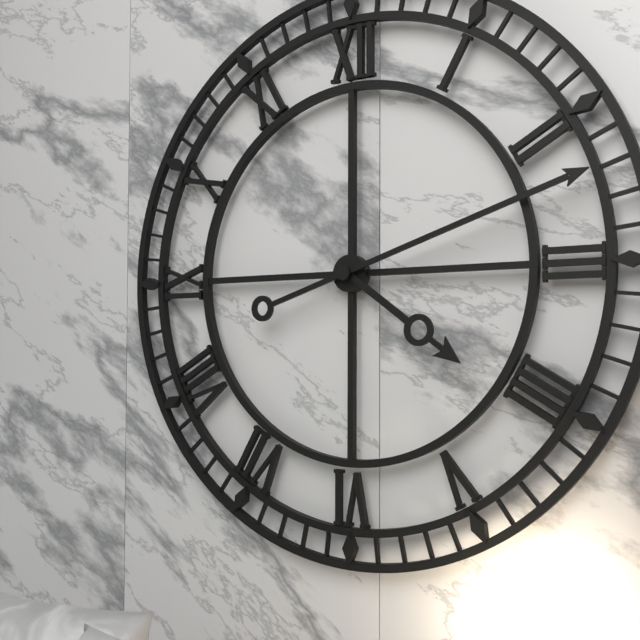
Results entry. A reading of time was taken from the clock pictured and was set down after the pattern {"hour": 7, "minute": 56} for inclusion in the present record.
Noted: {"hour": 4, "minute": 12}
